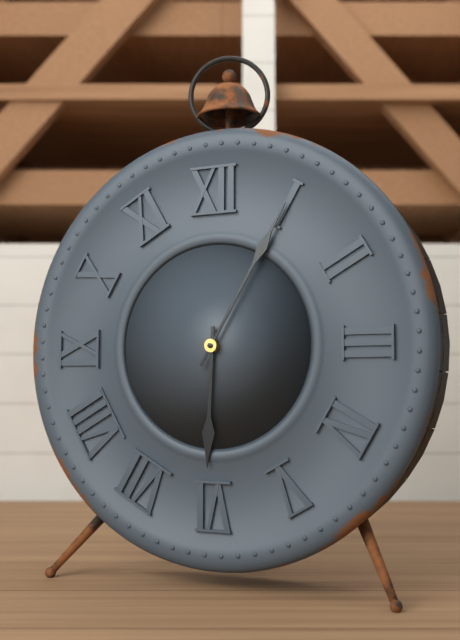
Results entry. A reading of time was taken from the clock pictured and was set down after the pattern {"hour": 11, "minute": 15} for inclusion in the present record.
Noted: {"hour": 6, "minute": 5}
